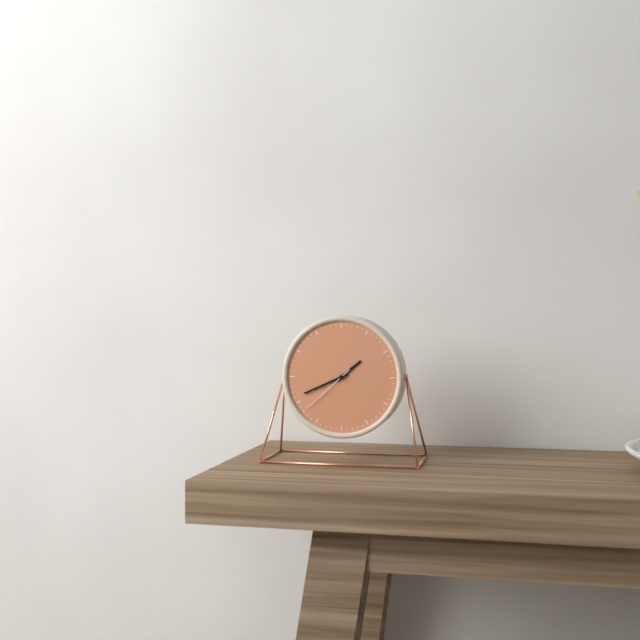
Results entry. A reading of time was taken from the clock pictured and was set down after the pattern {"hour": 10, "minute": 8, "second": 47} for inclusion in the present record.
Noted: {"hour": 1, "minute": 41, "second": 38}
